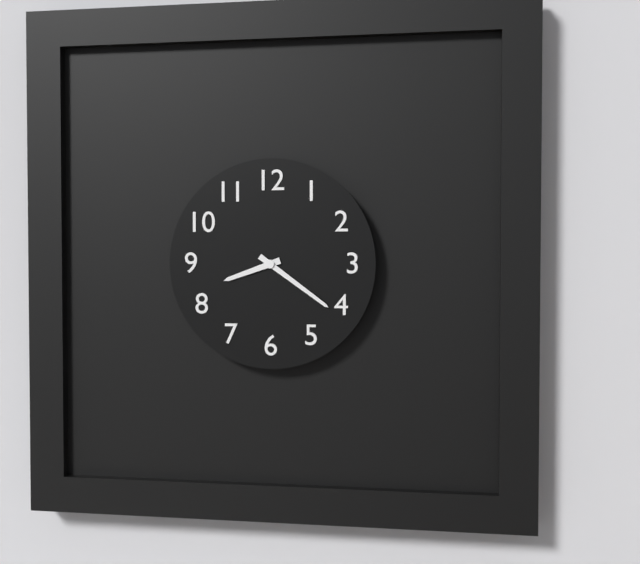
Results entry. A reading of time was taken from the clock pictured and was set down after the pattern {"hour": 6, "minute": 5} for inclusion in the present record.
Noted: {"hour": 8, "minute": 21}
